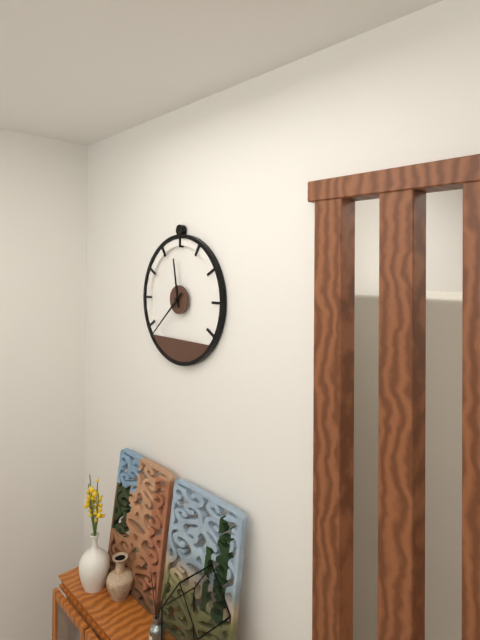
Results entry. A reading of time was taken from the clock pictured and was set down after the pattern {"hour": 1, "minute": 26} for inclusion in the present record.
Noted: {"hour": 11, "minute": 38}
